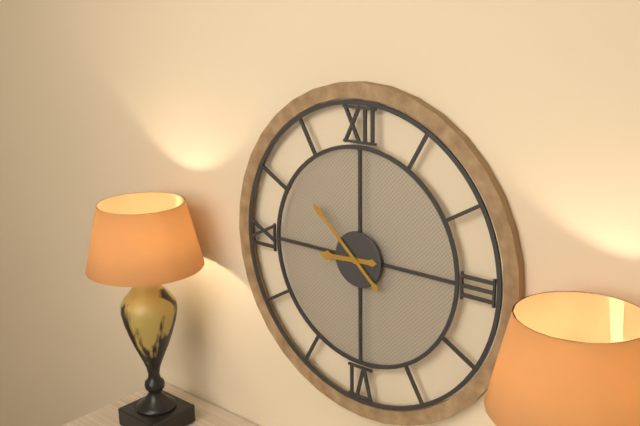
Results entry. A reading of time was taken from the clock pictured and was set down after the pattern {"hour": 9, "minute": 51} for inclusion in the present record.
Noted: {"hour": 8, "minute": 52}
